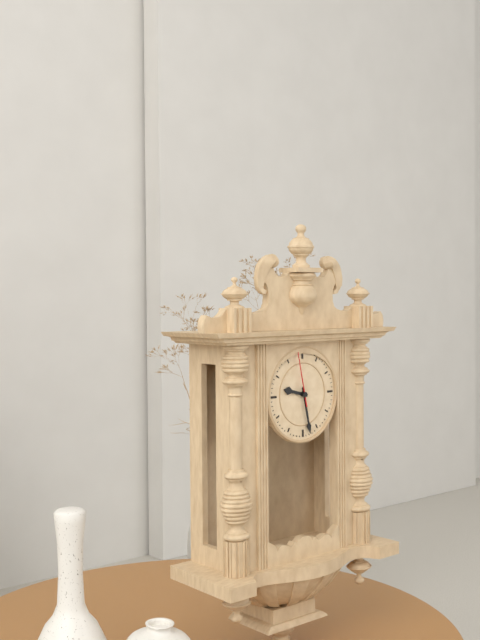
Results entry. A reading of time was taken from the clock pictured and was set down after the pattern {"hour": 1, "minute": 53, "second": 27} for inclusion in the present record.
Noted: {"hour": 9, "minute": 28, "second": 58}
